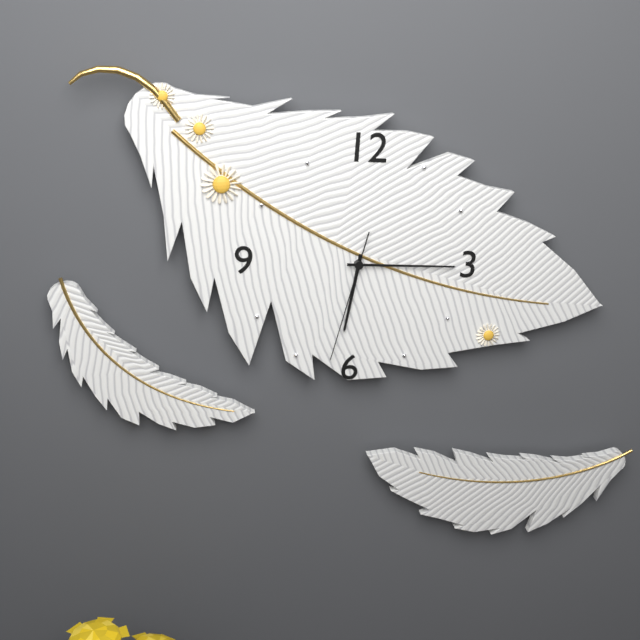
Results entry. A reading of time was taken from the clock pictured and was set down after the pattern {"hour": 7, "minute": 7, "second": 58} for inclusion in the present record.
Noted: {"hour": 6, "minute": 15, "second": 32}
